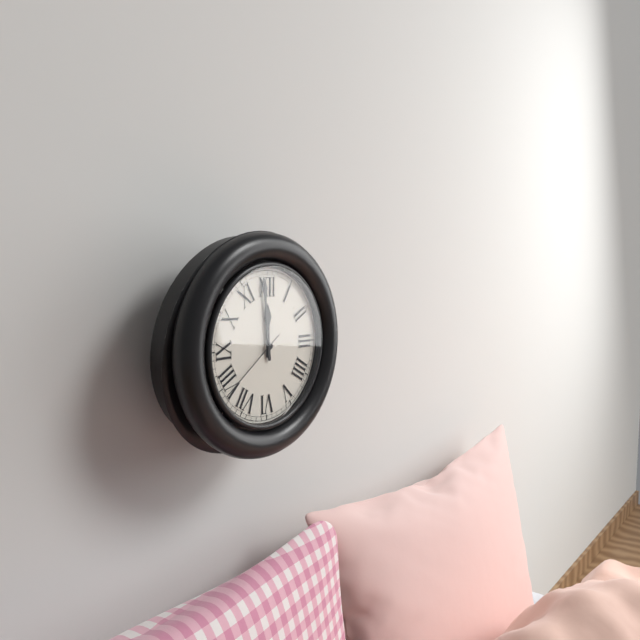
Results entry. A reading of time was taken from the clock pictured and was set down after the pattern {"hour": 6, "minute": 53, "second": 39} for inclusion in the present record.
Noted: {"hour": 11, "minute": 59, "second": 39}
